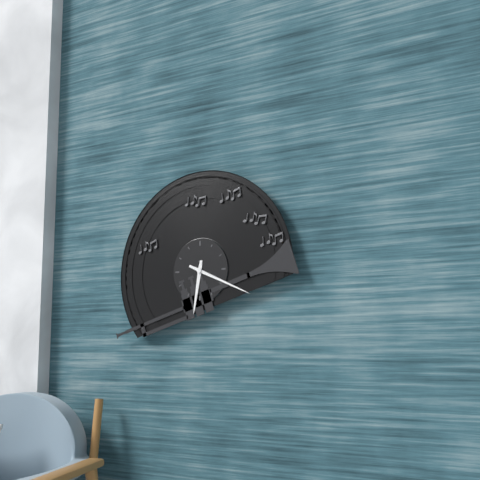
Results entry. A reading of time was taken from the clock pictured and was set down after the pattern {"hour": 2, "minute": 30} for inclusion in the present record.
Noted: {"hour": 6, "minute": 19}
